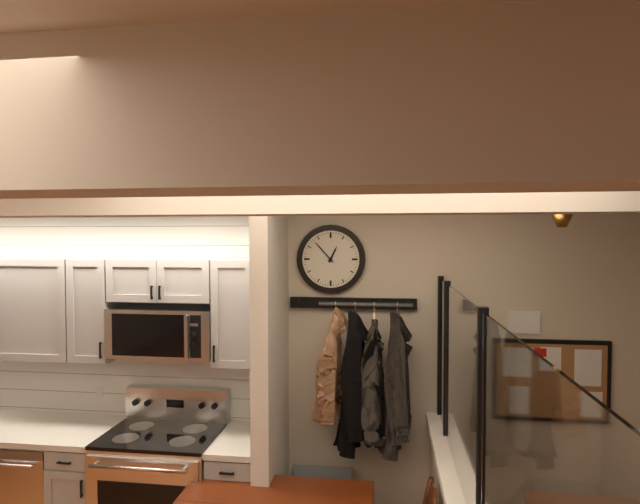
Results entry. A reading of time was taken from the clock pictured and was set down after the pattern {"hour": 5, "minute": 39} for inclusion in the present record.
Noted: {"hour": 12, "minute": 53}
